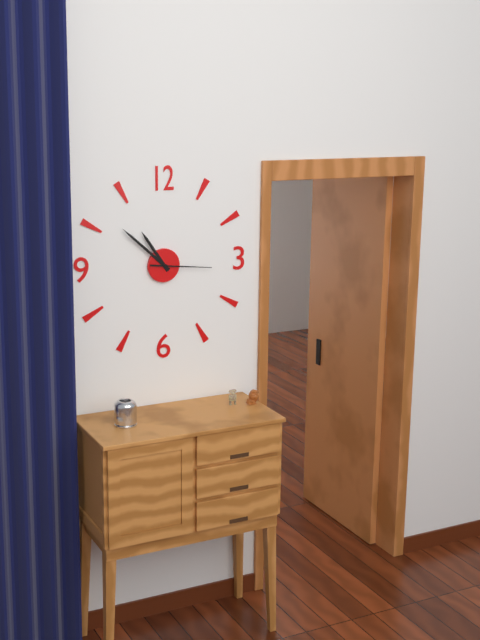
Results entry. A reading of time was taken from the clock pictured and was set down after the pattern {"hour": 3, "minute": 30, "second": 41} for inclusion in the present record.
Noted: {"hour": 10, "minute": 52, "second": 16}
